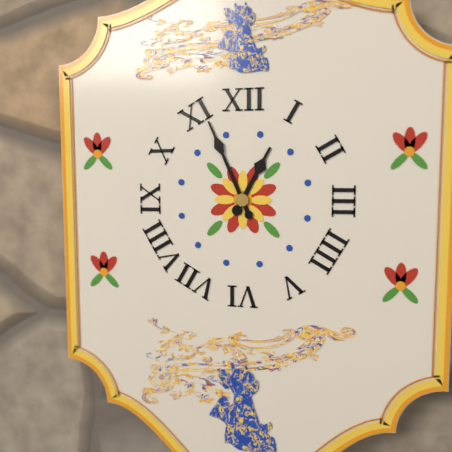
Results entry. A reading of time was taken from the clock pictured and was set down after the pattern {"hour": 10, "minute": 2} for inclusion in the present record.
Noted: {"hour": 12, "minute": 56}
